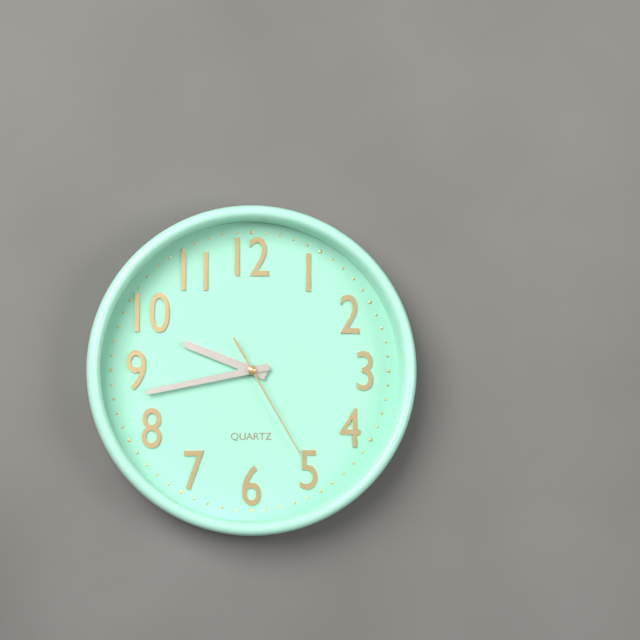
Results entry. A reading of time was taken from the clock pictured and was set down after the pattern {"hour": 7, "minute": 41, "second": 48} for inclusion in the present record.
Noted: {"hour": 9, "minute": 43, "second": 25}
